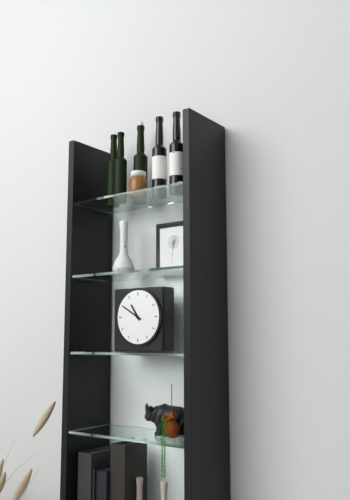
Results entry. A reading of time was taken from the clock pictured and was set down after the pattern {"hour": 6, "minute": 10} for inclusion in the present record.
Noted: {"hour": 10, "minute": 50}
